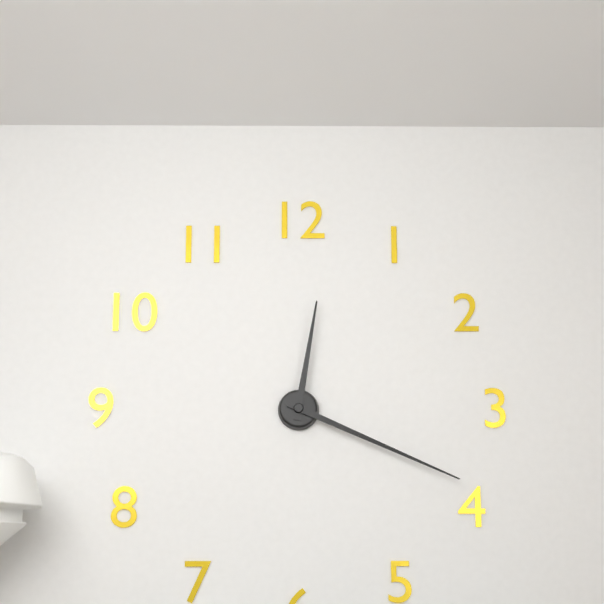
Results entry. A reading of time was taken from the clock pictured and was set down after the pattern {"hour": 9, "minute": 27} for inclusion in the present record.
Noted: {"hour": 12, "minute": 19}
